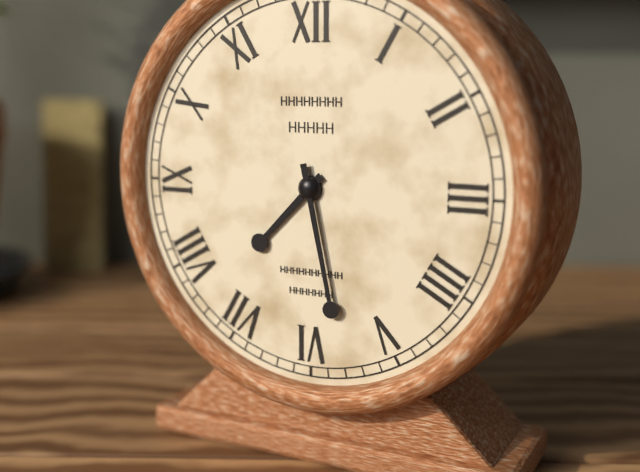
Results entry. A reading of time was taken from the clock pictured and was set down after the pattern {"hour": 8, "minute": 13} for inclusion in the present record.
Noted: {"hour": 7, "minute": 28}
